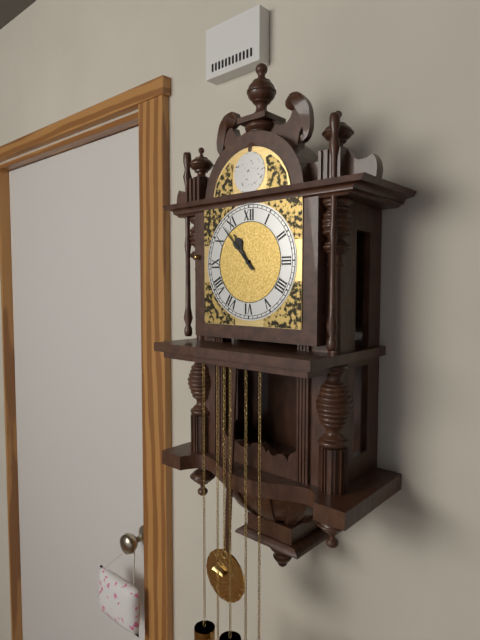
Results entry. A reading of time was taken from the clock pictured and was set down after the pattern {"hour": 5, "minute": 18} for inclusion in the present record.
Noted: {"hour": 10, "minute": 53}
